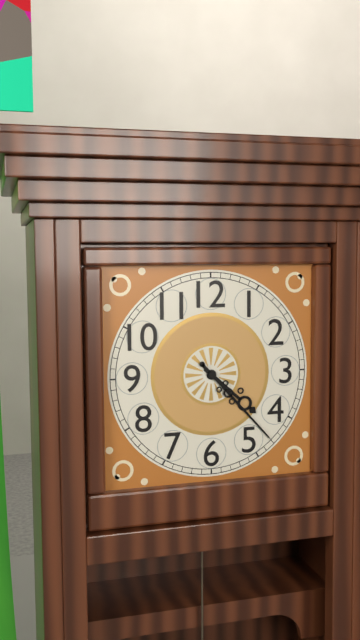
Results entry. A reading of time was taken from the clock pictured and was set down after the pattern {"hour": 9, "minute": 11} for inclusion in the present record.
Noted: {"hour": 4, "minute": 23}
